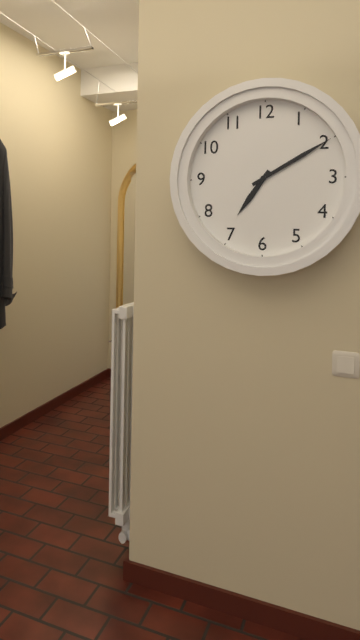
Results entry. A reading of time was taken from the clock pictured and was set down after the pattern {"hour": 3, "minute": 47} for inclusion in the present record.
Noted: {"hour": 7, "minute": 10}
